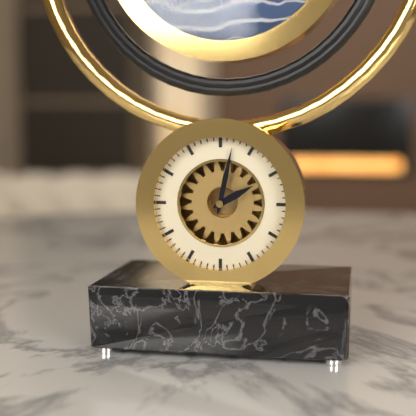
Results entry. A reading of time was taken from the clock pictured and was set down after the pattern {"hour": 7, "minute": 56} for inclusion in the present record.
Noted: {"hour": 2, "minute": 2}
